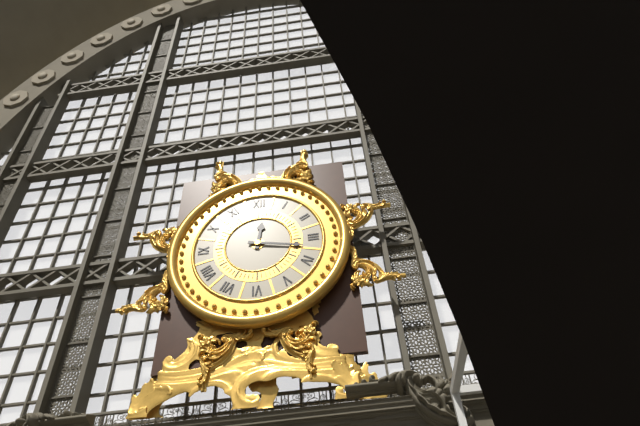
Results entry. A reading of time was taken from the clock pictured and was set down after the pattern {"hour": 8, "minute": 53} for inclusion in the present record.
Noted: {"hour": 12, "minute": 17}
